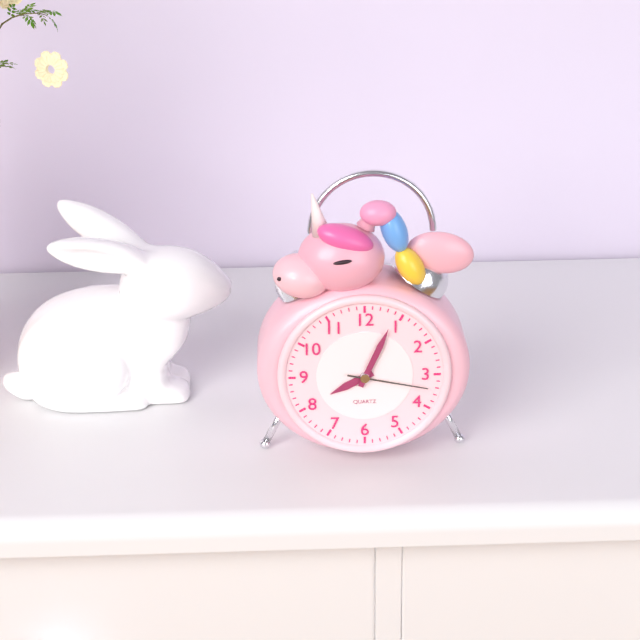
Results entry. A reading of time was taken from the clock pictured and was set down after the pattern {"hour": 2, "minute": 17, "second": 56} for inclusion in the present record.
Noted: {"hour": 8, "minute": 4, "second": 17}
